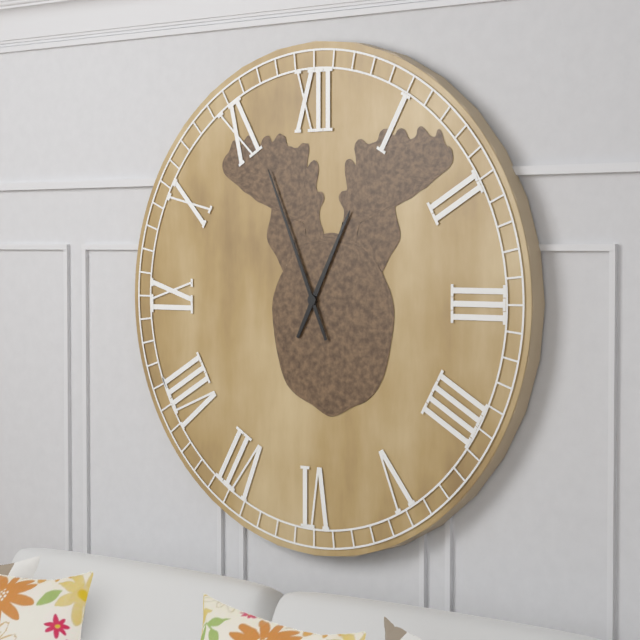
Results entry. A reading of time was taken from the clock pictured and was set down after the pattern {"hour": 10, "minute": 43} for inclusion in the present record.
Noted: {"hour": 12, "minute": 56}
